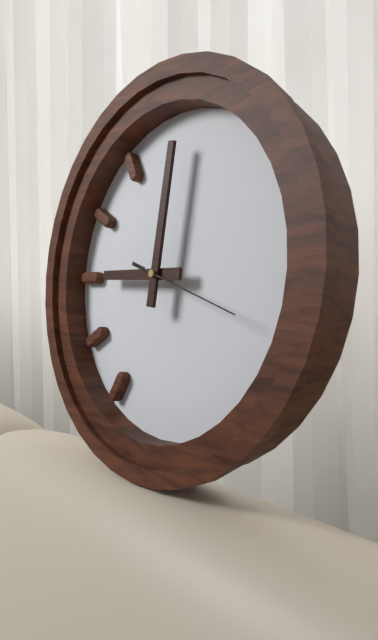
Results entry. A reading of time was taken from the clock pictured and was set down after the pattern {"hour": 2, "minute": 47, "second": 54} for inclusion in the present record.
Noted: {"hour": 9, "minute": 1, "second": 18}
